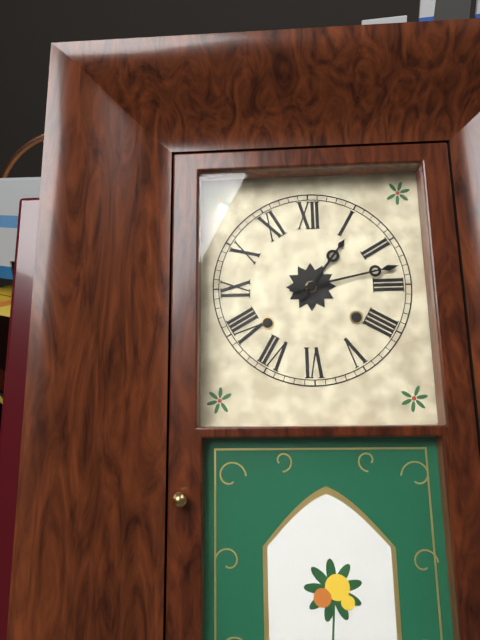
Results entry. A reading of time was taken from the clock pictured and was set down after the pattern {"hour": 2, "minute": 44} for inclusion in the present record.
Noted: {"hour": 1, "minute": 13}
